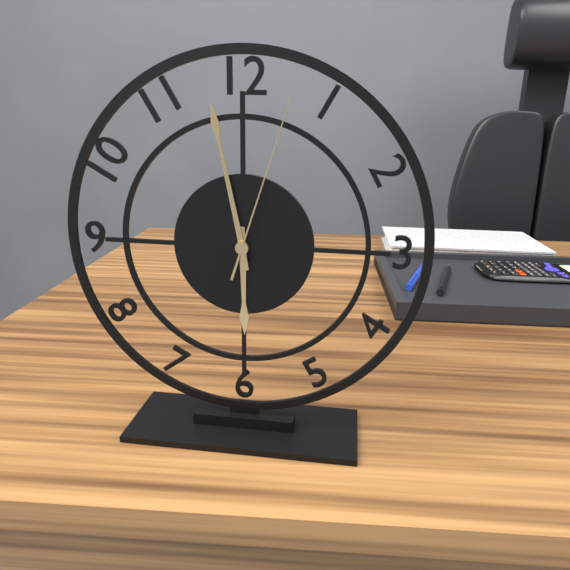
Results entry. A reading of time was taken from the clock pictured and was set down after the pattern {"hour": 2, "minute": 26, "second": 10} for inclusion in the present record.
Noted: {"hour": 5, "minute": 58, "second": 3}
